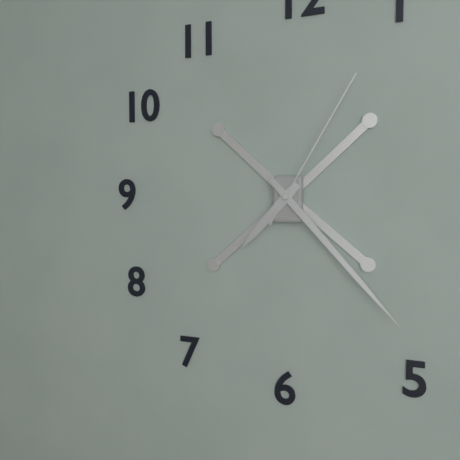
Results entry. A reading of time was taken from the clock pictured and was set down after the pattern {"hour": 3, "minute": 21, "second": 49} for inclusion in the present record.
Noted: {"hour": 7, "minute": 23, "second": 5}
